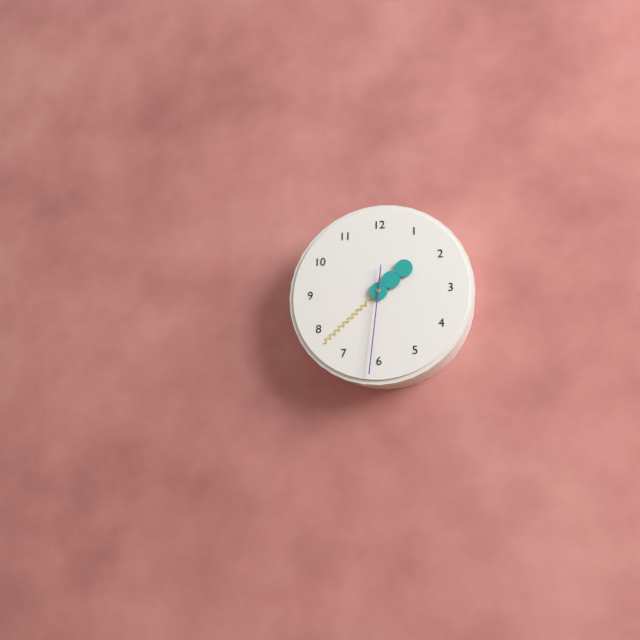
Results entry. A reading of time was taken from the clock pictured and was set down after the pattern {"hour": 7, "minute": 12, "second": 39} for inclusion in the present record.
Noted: {"hour": 1, "minute": 38, "second": 31}
